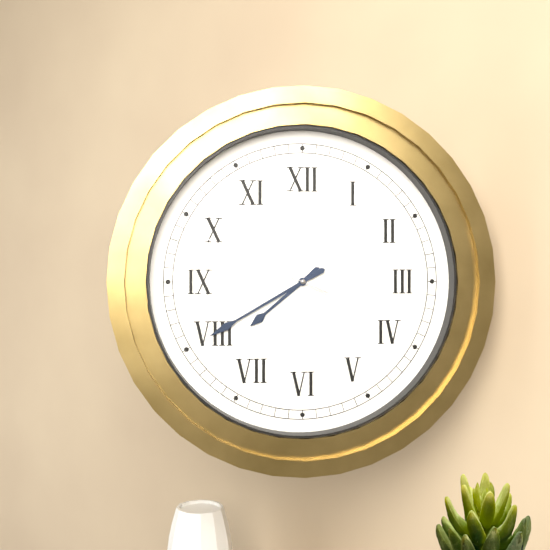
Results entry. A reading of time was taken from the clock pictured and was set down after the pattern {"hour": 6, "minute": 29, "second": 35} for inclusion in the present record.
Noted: {"hour": 7, "minute": 40, "second": 49}
